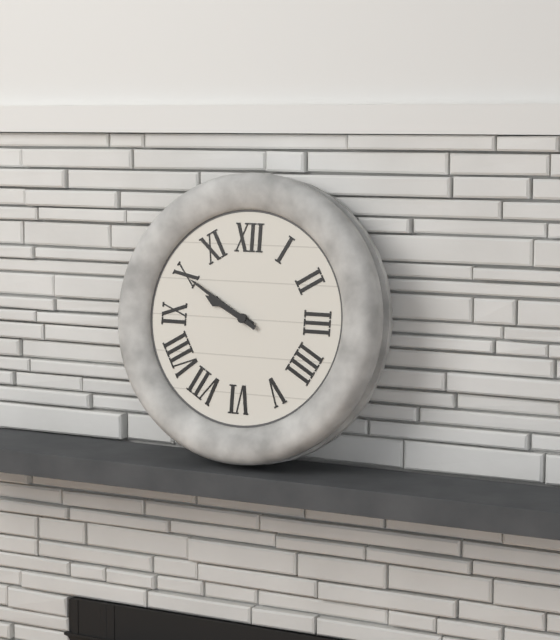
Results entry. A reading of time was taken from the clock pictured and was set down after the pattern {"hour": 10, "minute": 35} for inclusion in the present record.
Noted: {"hour": 9, "minute": 50}
